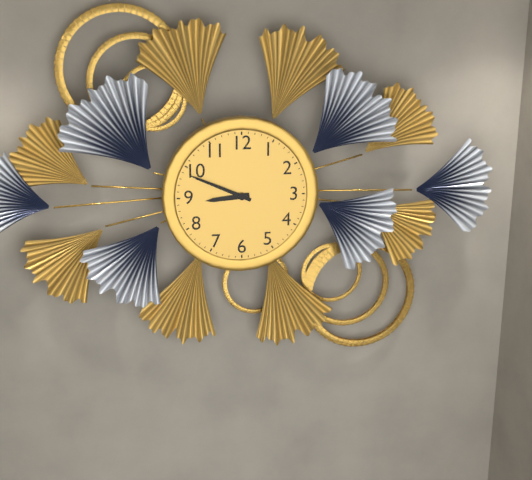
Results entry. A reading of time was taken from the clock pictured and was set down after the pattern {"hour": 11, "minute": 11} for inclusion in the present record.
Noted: {"hour": 8, "minute": 49}
